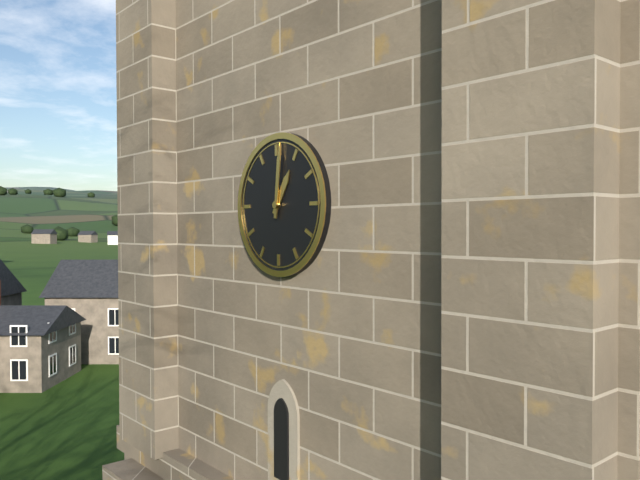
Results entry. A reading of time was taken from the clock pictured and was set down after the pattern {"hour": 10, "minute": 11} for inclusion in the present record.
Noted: {"hour": 1, "minute": 1}
